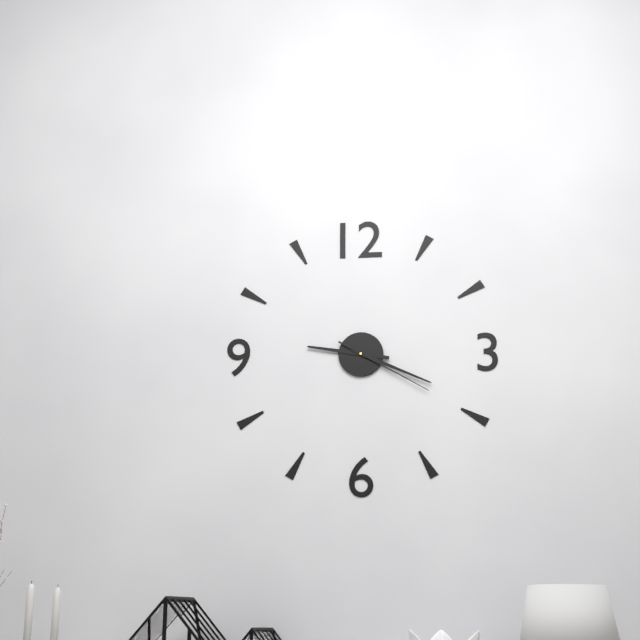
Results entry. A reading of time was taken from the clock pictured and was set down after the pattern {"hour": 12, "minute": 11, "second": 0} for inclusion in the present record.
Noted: {"hour": 9, "minute": 19, "second": 20}
